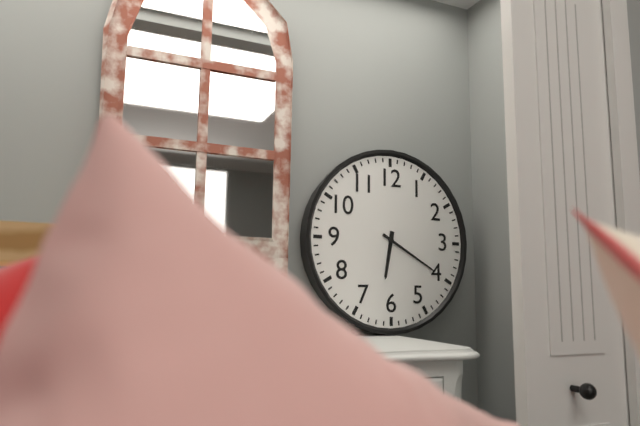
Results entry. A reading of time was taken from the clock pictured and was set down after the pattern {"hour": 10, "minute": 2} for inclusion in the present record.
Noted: {"hour": 6, "minute": 20}
